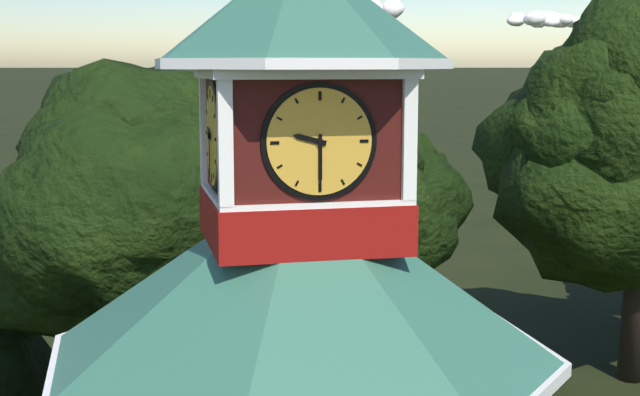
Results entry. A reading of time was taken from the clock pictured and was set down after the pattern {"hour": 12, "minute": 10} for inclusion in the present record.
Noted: {"hour": 9, "minute": 30}
